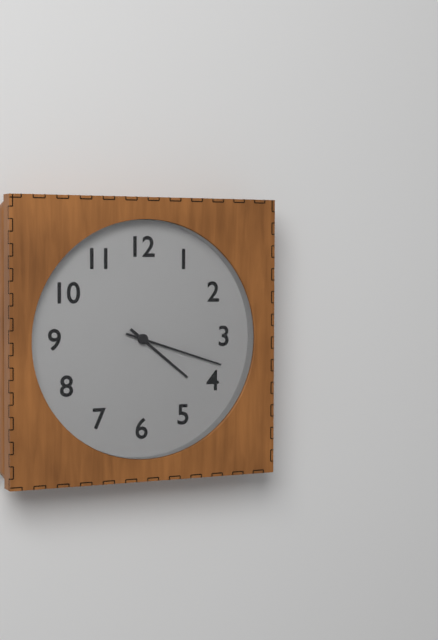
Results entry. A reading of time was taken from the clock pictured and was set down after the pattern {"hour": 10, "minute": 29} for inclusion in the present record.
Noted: {"hour": 4, "minute": 18}
